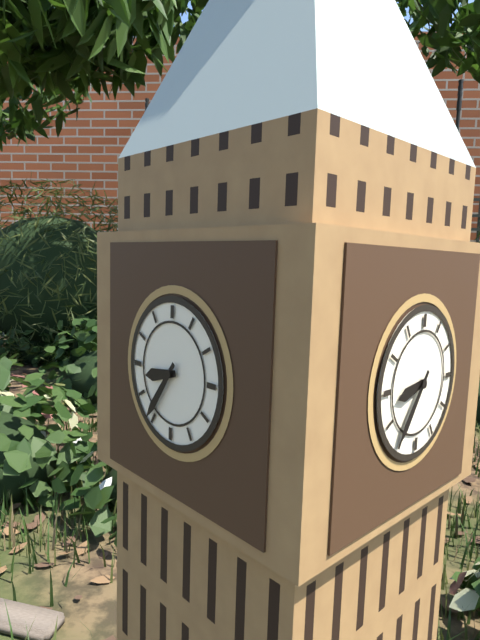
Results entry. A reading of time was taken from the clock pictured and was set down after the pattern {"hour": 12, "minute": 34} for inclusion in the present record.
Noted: {"hour": 8, "minute": 36}
